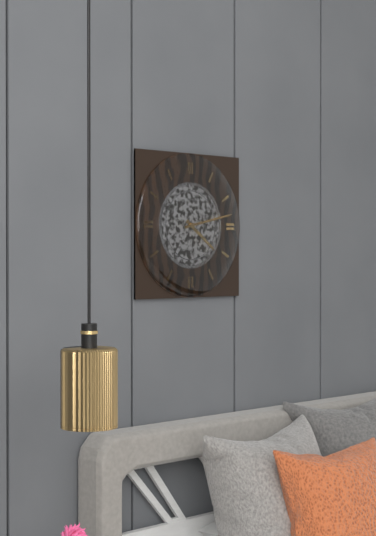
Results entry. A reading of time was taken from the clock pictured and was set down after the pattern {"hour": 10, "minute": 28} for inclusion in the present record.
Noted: {"hour": 4, "minute": 13}
